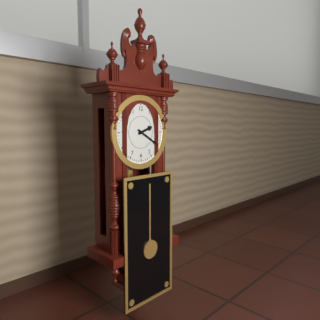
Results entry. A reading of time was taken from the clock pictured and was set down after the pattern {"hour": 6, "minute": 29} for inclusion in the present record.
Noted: {"hour": 2, "minute": 20}
